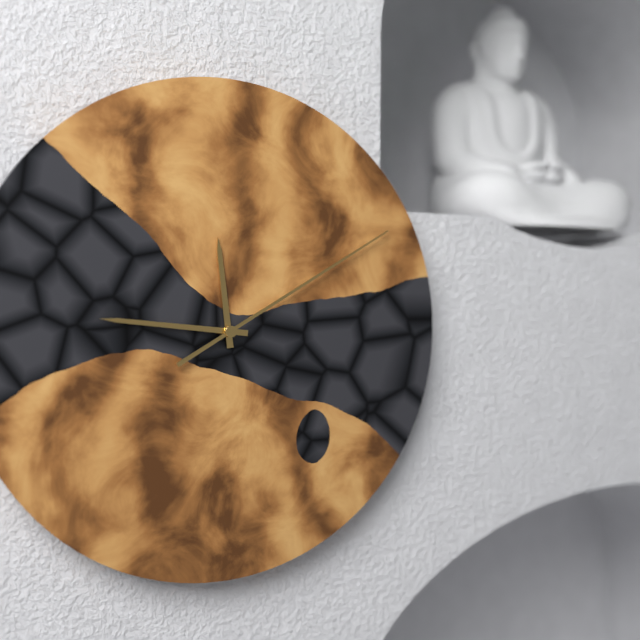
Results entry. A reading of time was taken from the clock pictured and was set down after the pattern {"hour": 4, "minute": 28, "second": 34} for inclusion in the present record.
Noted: {"hour": 11, "minute": 46, "second": 10}
